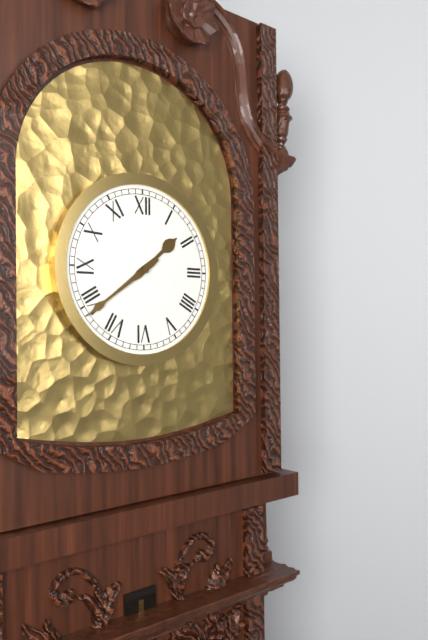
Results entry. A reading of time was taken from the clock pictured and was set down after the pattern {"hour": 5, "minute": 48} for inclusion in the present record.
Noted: {"hour": 1, "minute": 39}
